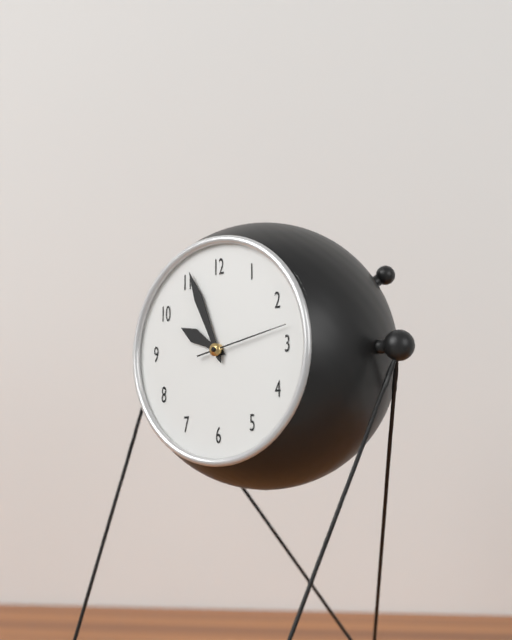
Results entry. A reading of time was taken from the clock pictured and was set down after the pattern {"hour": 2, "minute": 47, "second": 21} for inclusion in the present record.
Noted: {"hour": 9, "minute": 56, "second": 13}
